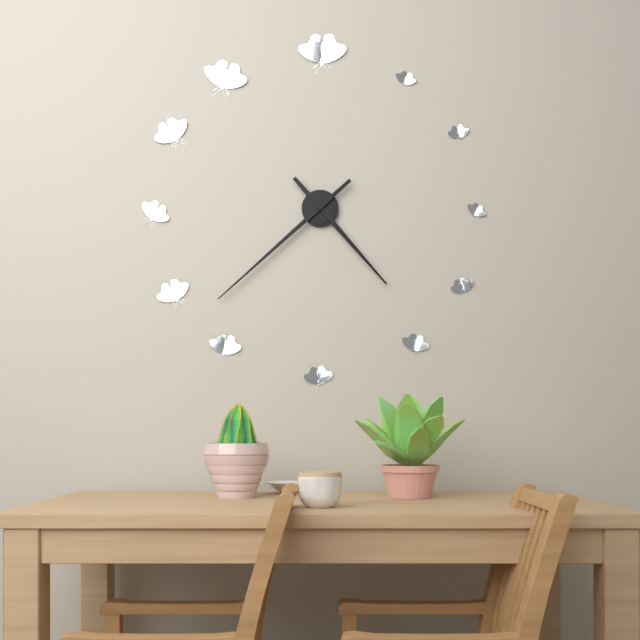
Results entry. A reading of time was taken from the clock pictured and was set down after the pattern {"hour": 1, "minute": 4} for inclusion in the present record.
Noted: {"hour": 4, "minute": 38}
